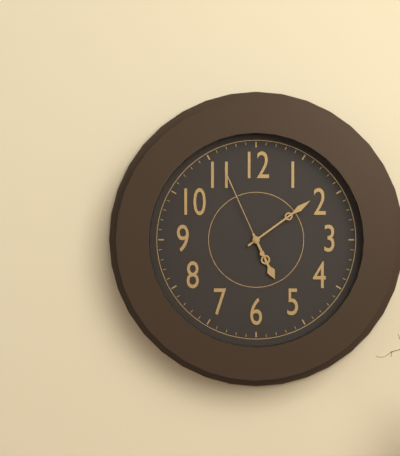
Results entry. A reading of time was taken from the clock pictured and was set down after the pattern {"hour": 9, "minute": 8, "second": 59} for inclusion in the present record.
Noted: {"hour": 5, "minute": 9, "second": 56}
